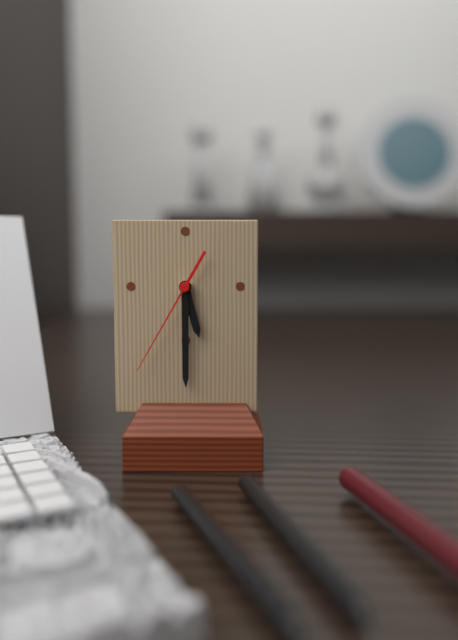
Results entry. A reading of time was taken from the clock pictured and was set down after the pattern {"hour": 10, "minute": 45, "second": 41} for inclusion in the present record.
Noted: {"hour": 5, "minute": 30, "second": 35}
